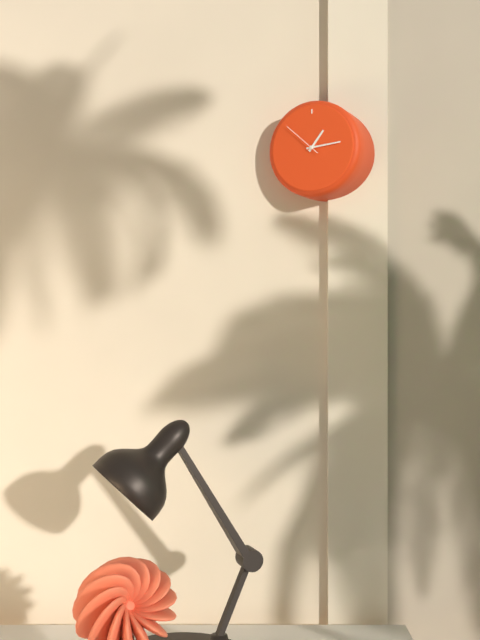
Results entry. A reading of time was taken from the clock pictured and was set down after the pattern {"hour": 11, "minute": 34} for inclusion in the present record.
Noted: {"hour": 1, "minute": 14}
